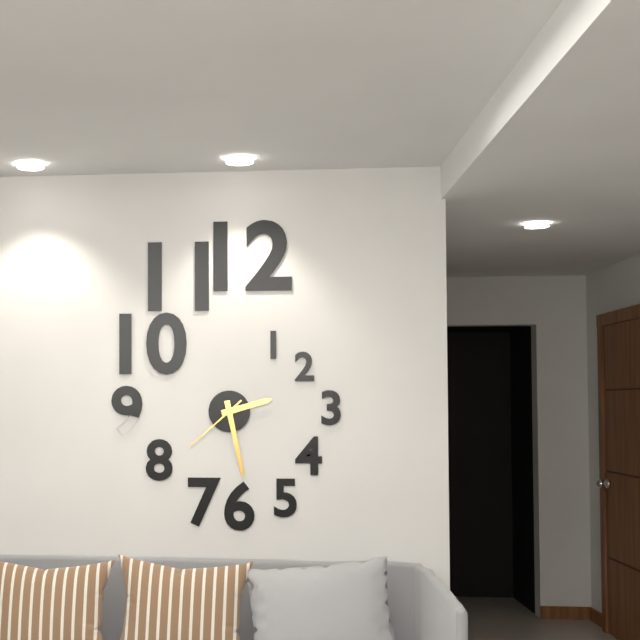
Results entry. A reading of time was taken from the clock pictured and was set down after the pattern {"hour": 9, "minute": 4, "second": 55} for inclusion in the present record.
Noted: {"hour": 2, "minute": 28, "second": 38}
